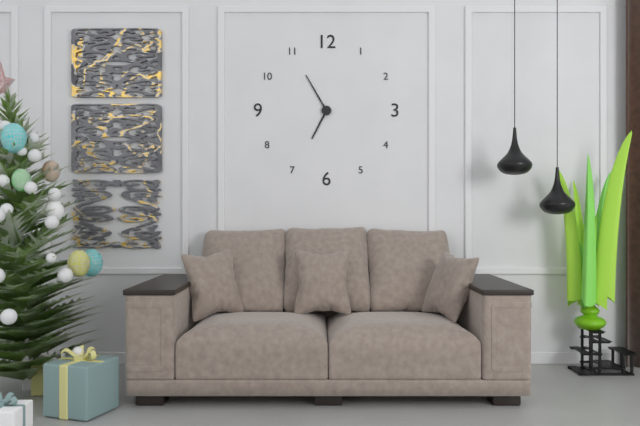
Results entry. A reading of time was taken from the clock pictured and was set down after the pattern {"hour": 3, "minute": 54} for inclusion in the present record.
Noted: {"hour": 6, "minute": 55}
